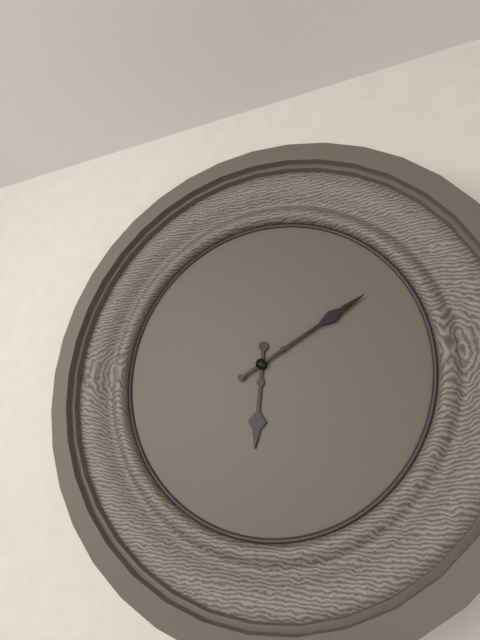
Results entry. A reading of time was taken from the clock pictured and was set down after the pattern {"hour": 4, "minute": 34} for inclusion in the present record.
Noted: {"hour": 6, "minute": 10}
